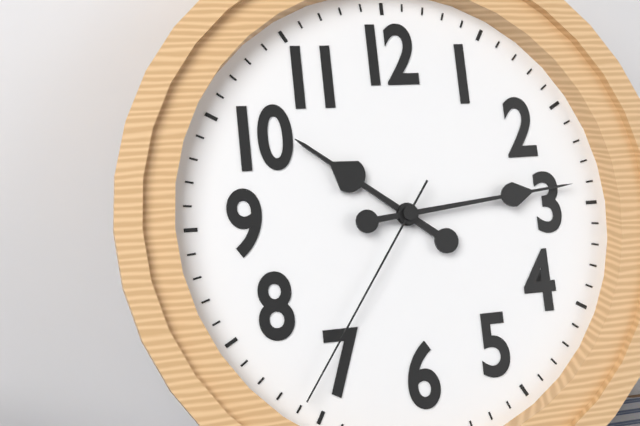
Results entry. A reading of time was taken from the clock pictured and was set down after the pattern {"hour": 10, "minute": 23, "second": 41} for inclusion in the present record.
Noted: {"hour": 10, "minute": 14, "second": 36}
